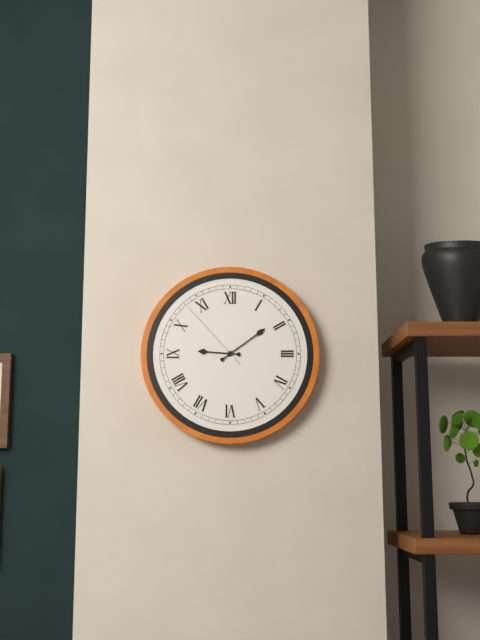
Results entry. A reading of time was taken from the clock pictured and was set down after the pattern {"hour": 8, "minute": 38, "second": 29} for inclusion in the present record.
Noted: {"hour": 9, "minute": 9, "second": 53}
